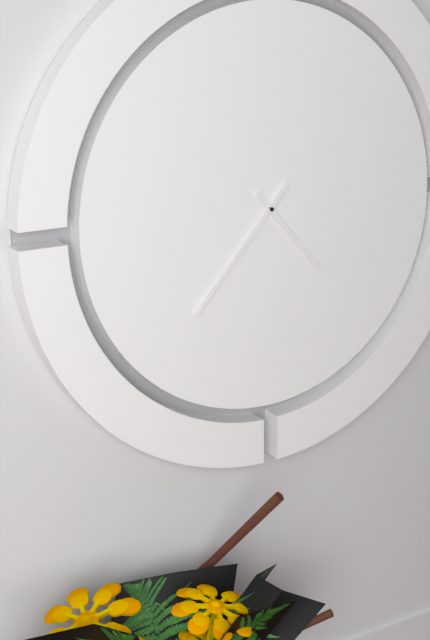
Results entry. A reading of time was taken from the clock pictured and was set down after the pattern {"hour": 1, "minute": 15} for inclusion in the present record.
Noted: {"hour": 4, "minute": 37}
